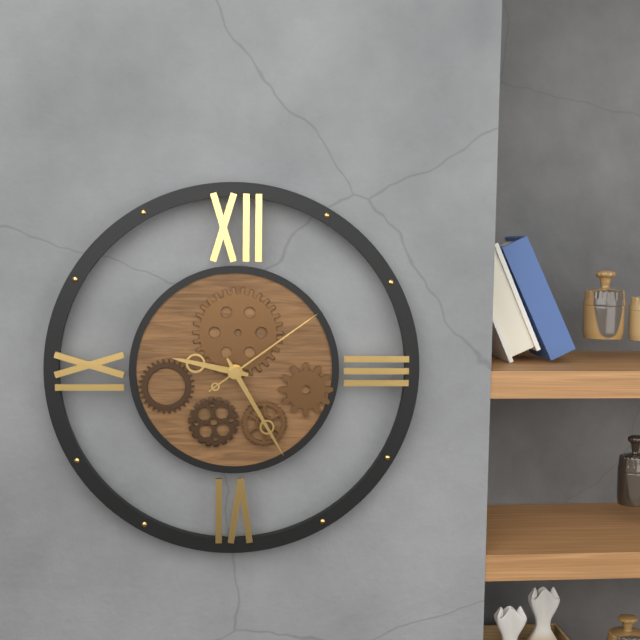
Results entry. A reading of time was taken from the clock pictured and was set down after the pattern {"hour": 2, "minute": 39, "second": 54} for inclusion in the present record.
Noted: {"hour": 9, "minute": 25, "second": 9}
